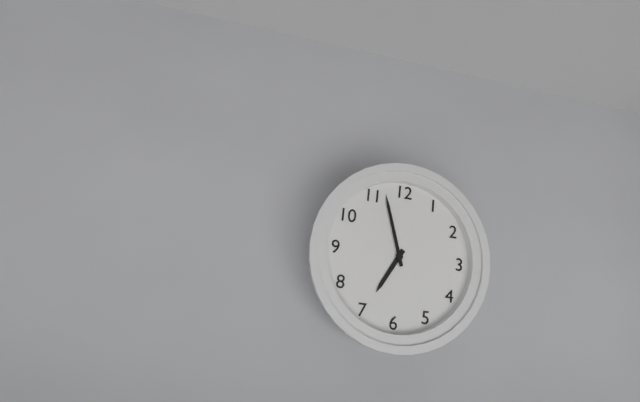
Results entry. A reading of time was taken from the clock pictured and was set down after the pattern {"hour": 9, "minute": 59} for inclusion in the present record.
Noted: {"hour": 6, "minute": 57}
